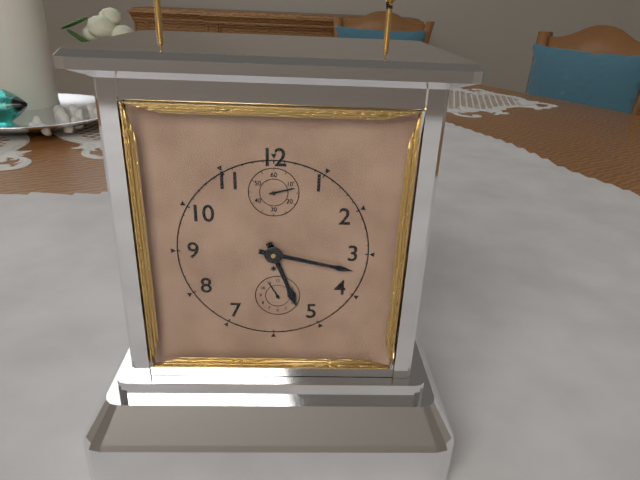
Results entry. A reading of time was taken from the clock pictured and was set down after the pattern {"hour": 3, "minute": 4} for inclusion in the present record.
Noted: {"hour": 5, "minute": 17}
